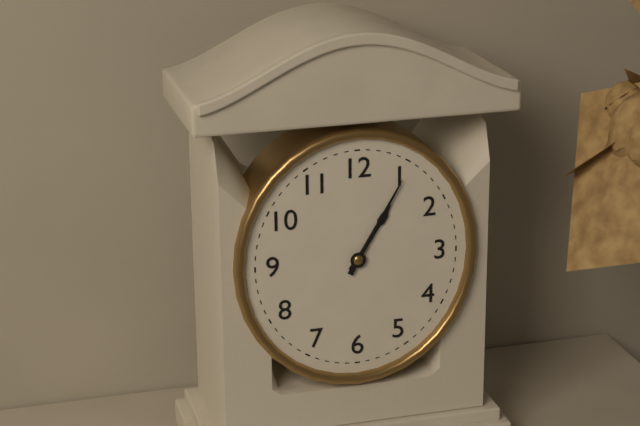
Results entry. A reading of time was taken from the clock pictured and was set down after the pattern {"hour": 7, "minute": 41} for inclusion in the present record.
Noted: {"hour": 1, "minute": 5}
